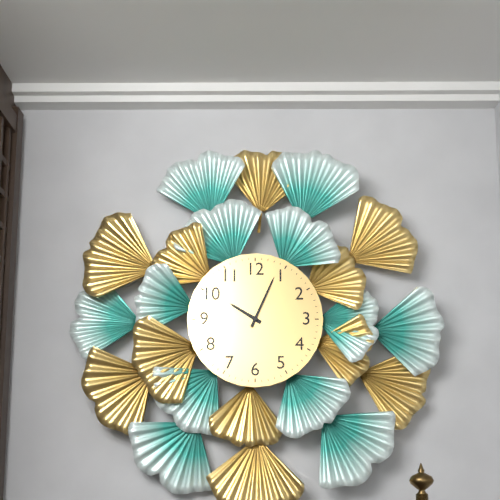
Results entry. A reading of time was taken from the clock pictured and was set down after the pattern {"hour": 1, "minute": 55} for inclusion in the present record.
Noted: {"hour": 10, "minute": 4}
